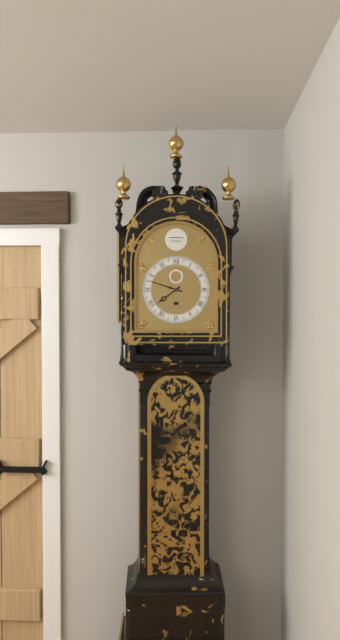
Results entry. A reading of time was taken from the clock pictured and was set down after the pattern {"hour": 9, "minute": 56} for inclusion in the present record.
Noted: {"hour": 7, "minute": 48}
